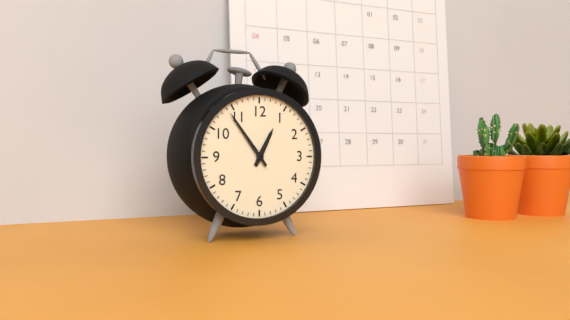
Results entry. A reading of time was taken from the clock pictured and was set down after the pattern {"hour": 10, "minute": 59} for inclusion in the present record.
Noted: {"hour": 12, "minute": 54}
